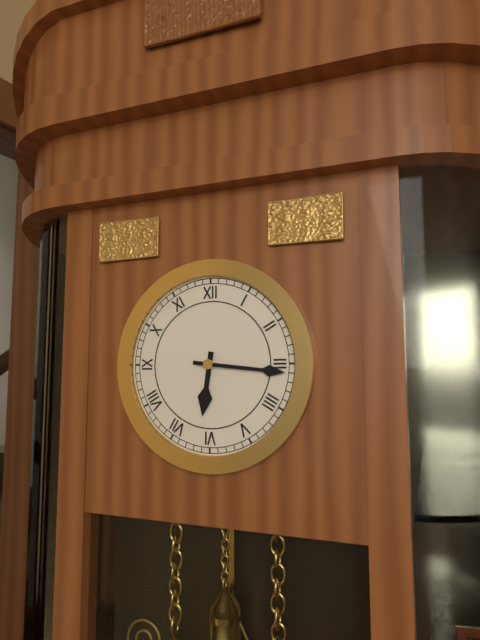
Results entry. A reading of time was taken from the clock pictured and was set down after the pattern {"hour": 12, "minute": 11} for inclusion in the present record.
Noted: {"hour": 6, "minute": 16}
